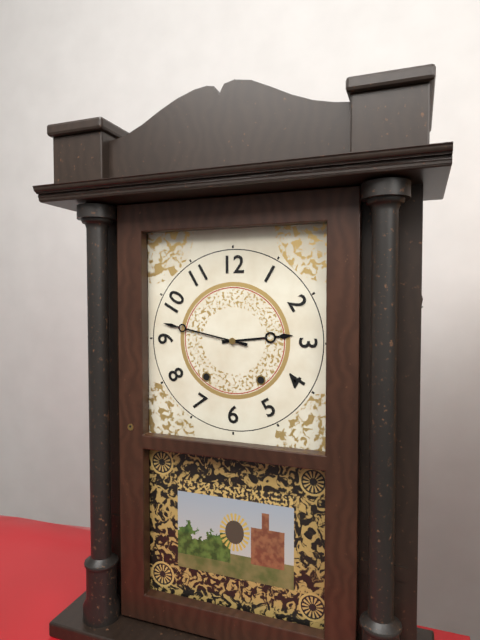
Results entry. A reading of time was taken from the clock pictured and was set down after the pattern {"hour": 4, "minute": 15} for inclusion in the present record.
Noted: {"hour": 2, "minute": 47}
